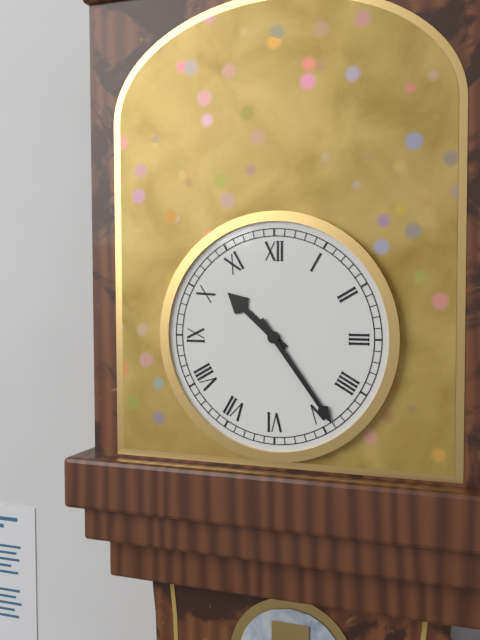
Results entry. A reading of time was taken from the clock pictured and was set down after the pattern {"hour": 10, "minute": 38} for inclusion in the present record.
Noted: {"hour": 10, "minute": 24}
